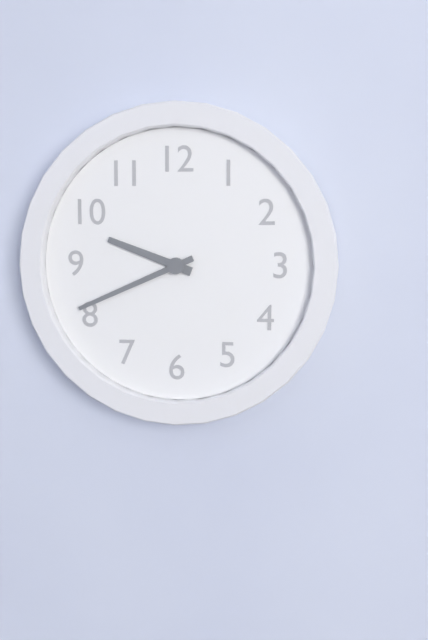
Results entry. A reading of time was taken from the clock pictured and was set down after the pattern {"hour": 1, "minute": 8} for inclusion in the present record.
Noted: {"hour": 9, "minute": 41}
